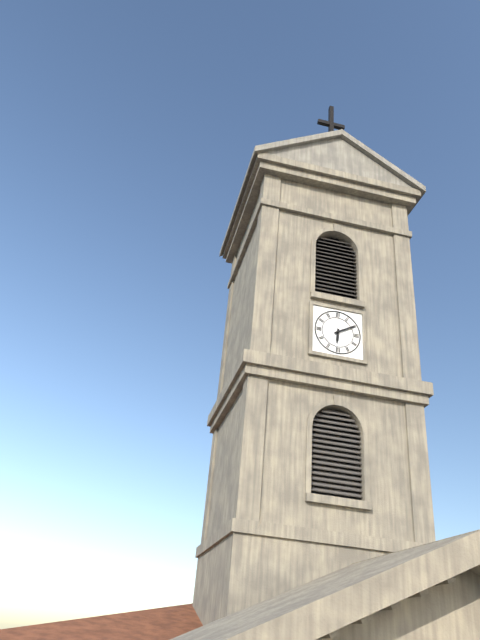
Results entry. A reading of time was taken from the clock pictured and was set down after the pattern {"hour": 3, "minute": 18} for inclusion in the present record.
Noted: {"hour": 6, "minute": 10}
